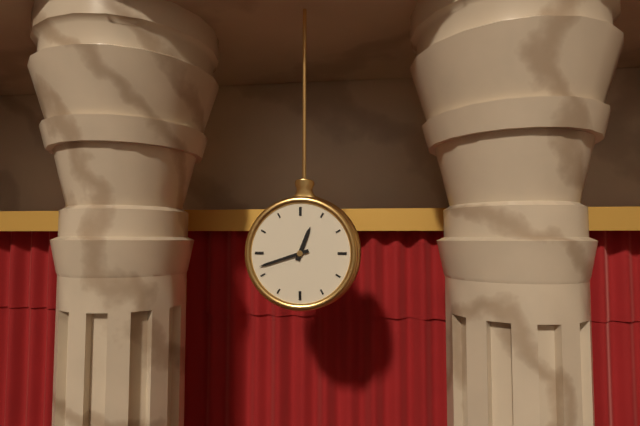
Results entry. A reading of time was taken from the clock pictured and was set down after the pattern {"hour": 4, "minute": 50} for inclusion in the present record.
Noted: {"hour": 12, "minute": 42}
